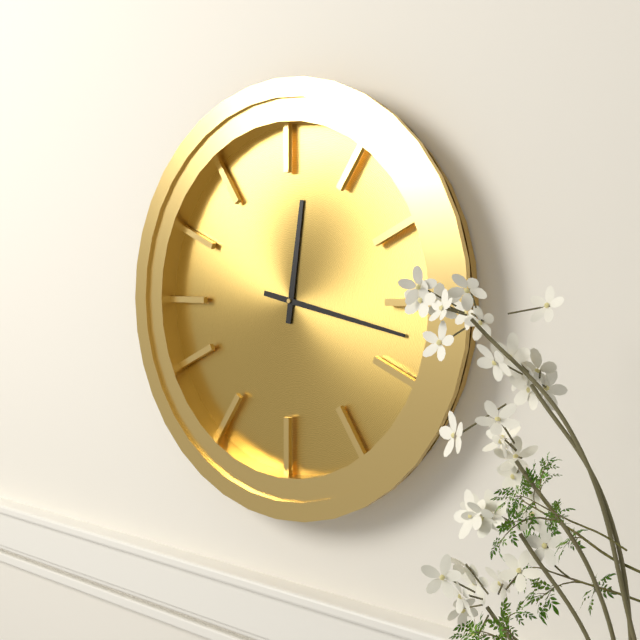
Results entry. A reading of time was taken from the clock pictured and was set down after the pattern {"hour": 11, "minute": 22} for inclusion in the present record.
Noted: {"hour": 12, "minute": 17}
